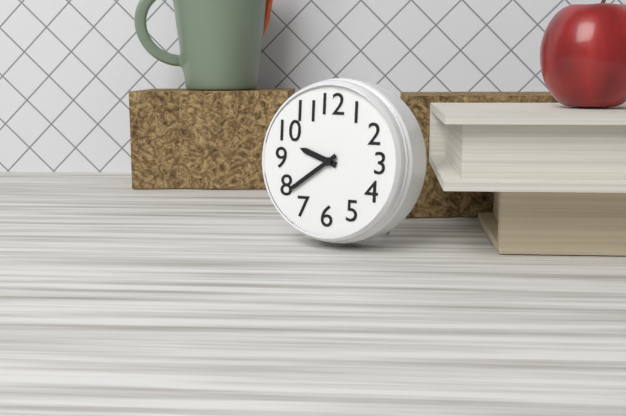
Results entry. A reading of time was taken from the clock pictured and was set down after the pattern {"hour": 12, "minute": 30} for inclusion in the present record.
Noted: {"hour": 9, "minute": 39}
